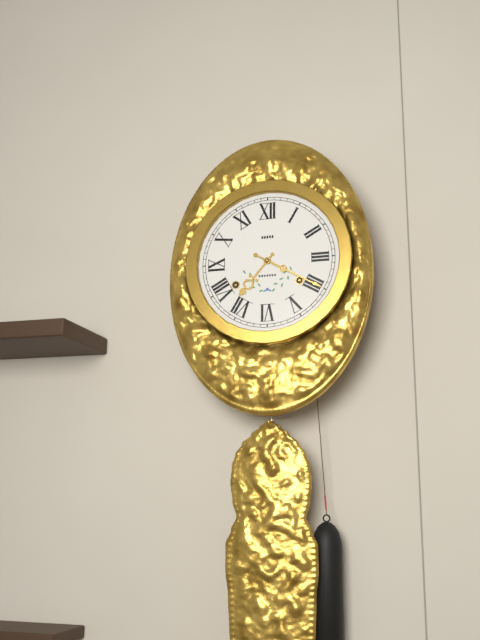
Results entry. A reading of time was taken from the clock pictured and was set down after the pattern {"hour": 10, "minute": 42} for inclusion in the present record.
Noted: {"hour": 7, "minute": 20}
